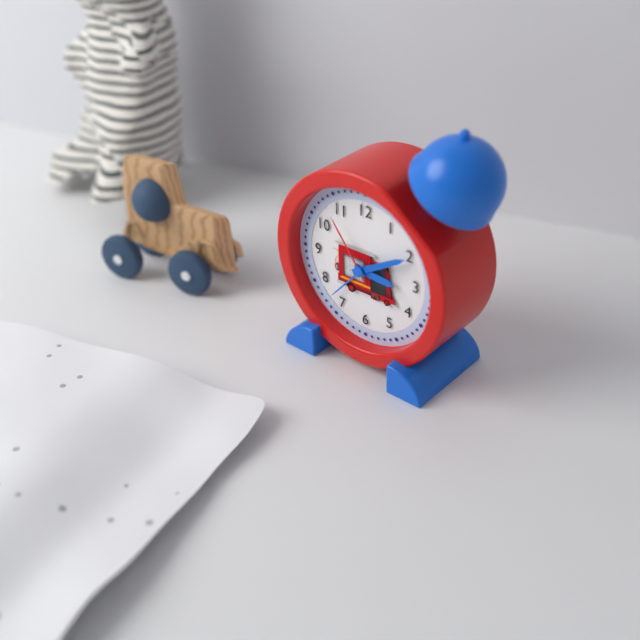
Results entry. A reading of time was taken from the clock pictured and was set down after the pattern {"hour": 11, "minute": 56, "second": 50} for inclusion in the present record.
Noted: {"hour": 3, "minute": 10, "second": 54}
